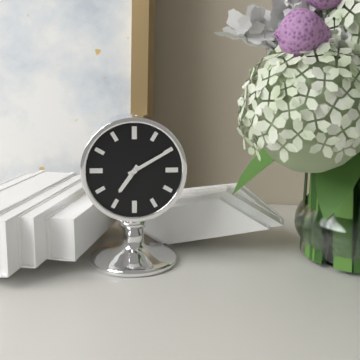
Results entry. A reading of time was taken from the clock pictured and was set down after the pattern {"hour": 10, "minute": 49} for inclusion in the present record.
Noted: {"hour": 7, "minute": 10}
